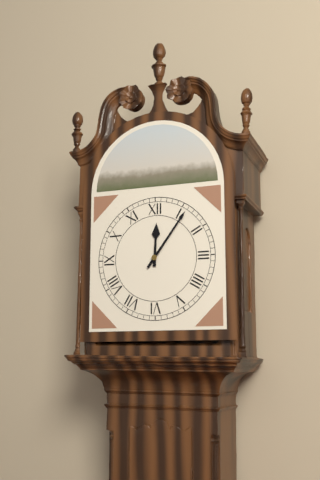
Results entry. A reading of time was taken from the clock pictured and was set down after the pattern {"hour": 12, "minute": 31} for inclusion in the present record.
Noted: {"hour": 12, "minute": 6}
